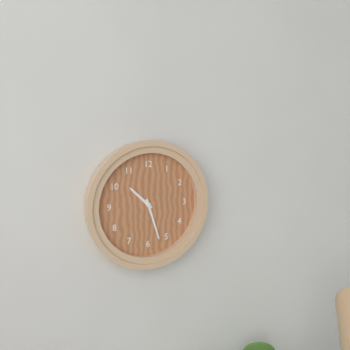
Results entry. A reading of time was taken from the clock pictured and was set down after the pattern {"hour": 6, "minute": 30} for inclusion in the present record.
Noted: {"hour": 10, "minute": 27}
